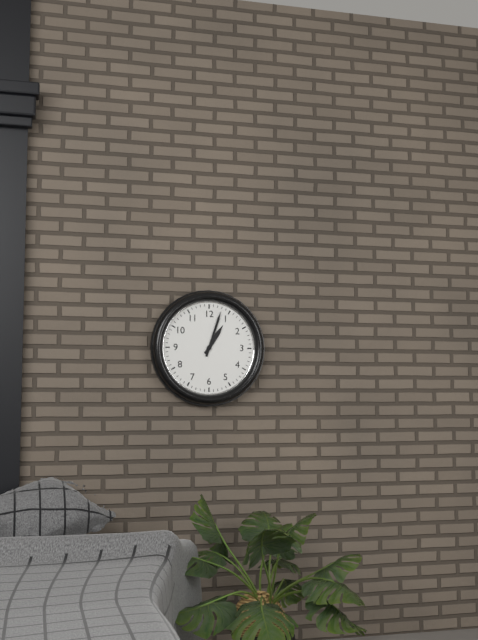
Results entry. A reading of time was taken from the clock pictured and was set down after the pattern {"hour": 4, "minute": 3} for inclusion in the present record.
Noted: {"hour": 1, "minute": 3}
